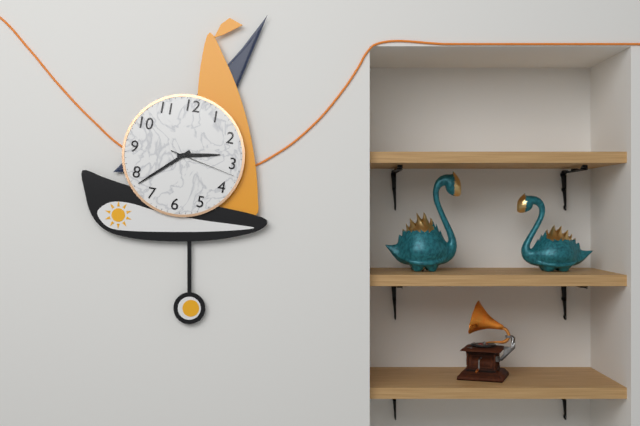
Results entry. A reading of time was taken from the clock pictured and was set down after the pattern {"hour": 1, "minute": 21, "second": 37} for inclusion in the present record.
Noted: {"hour": 2, "minute": 38, "second": 17}
